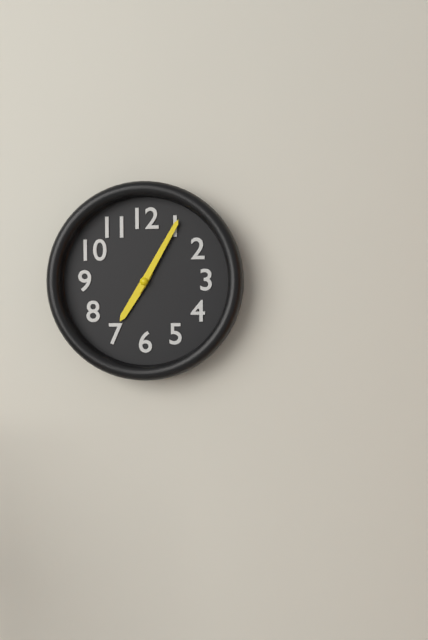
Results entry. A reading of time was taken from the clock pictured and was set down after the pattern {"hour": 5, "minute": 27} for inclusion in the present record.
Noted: {"hour": 7, "minute": 5}
